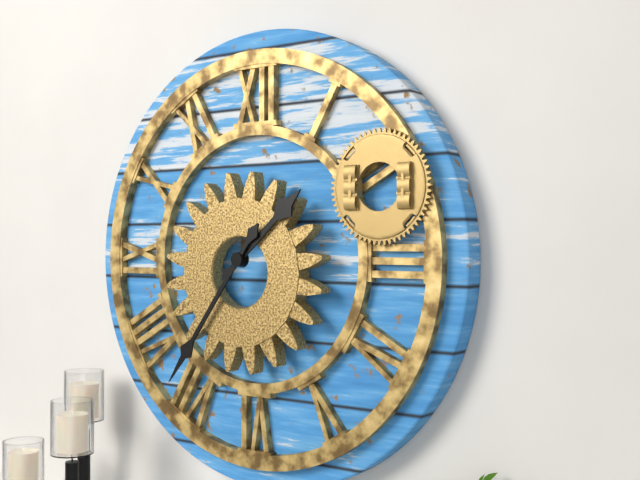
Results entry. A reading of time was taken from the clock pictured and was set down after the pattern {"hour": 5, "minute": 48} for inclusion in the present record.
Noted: {"hour": 1, "minute": 36}
